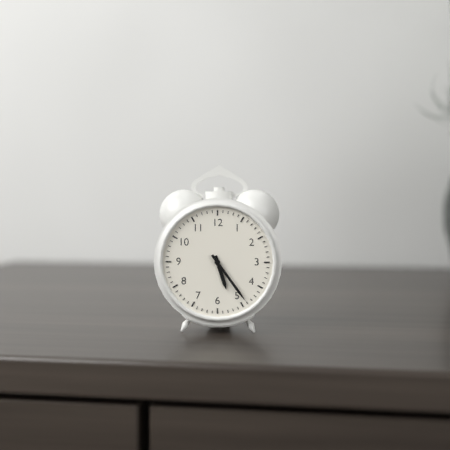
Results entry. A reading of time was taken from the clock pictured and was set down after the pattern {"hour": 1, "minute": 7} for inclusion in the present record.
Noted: {"hour": 5, "minute": 24}
